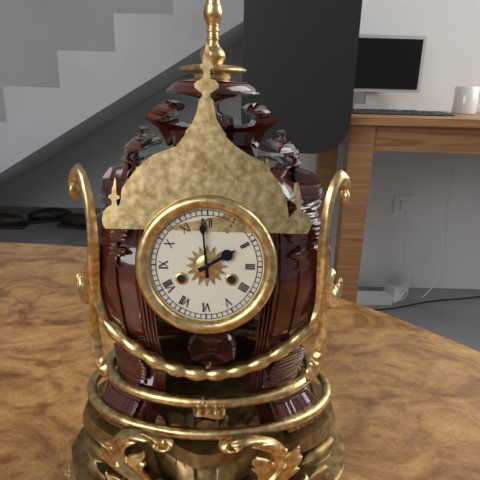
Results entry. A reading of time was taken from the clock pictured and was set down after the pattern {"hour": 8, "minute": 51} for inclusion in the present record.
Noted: {"hour": 1, "minute": 59}
